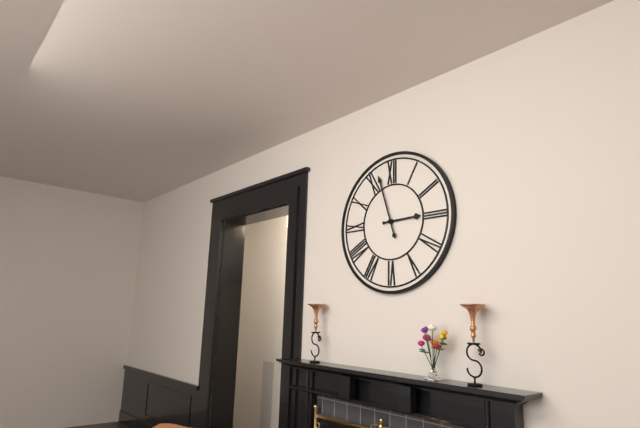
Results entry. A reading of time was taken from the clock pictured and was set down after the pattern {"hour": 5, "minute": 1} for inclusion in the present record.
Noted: {"hour": 2, "minute": 57}
